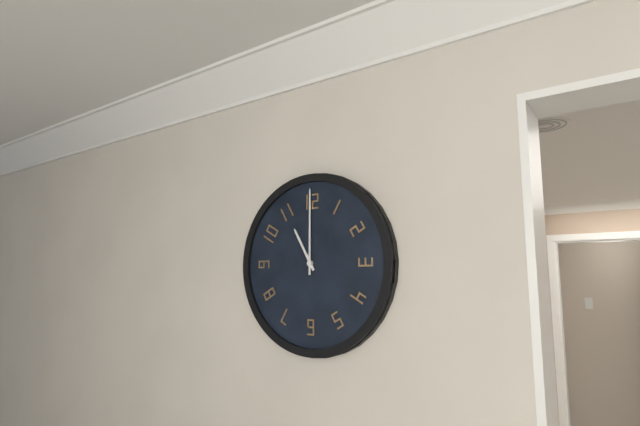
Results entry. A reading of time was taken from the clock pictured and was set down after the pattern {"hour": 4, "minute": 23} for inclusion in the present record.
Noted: {"hour": 11, "minute": 0}
